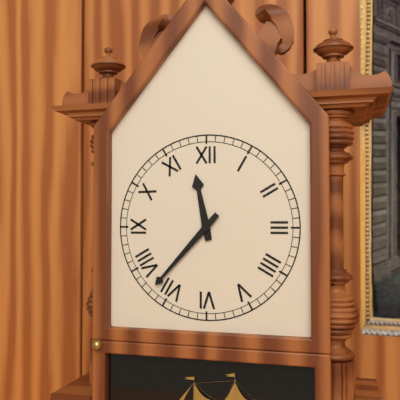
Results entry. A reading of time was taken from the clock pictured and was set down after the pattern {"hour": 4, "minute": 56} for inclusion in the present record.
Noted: {"hour": 11, "minute": 37}
